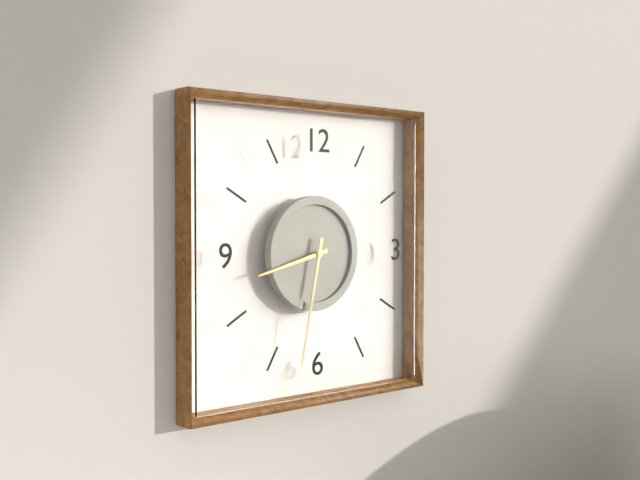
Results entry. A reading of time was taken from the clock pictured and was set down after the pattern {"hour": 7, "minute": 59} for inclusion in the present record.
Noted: {"hour": 8, "minute": 32}
